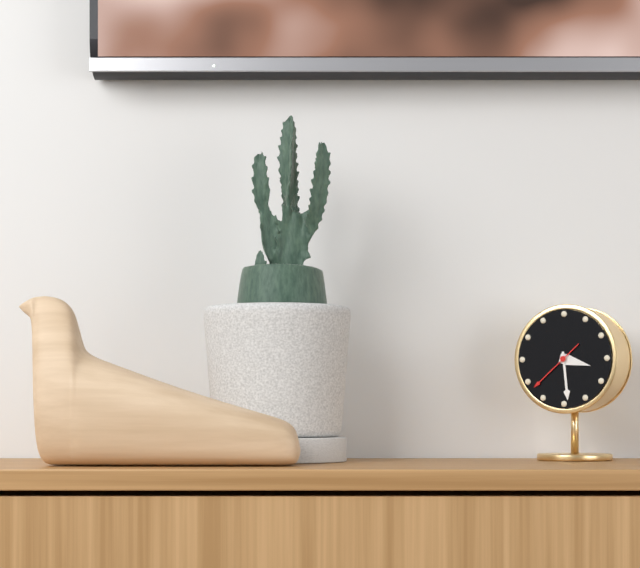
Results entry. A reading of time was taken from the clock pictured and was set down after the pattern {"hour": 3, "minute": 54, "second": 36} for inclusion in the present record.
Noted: {"hour": 3, "minute": 29, "second": 38}
